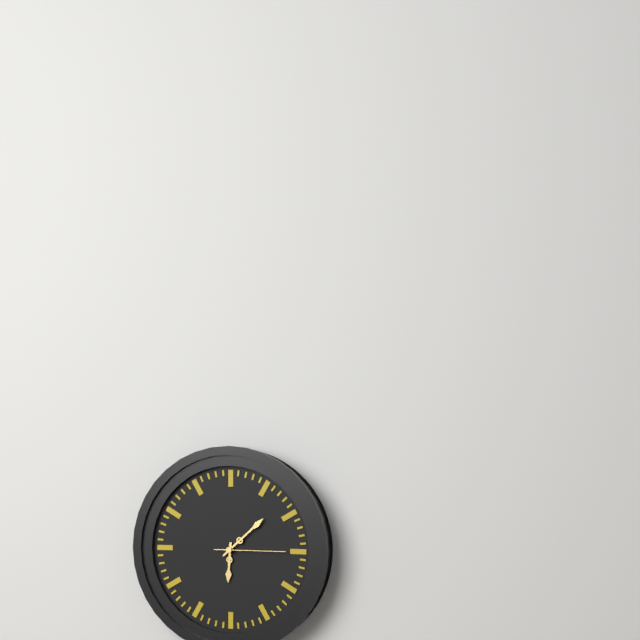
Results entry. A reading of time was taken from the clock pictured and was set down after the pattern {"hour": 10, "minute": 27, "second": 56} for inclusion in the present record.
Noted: {"hour": 6, "minute": 8, "second": 15}
